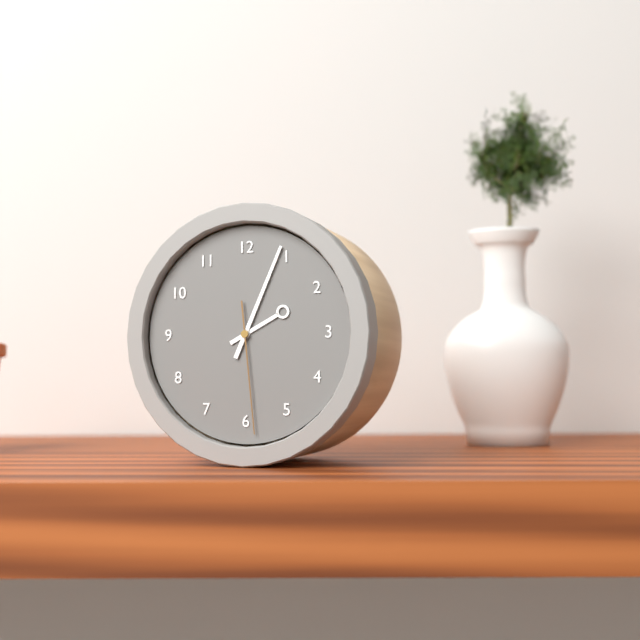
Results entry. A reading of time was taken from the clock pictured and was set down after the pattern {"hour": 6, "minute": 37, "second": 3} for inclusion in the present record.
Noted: {"hour": 2, "minute": 4, "second": 29}
